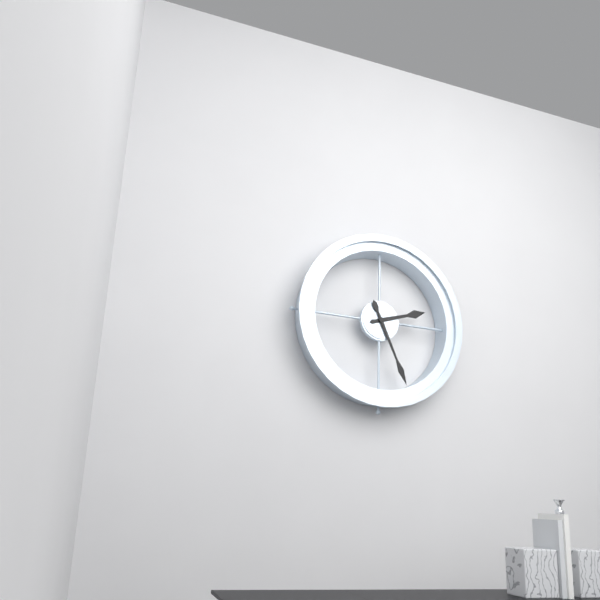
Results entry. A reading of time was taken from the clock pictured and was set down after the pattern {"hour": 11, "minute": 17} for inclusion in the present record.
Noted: {"hour": 2, "minute": 26}
